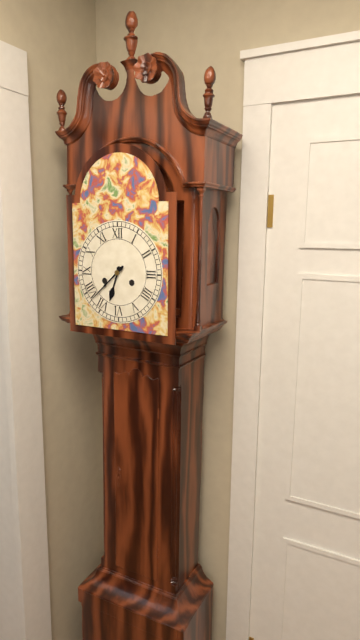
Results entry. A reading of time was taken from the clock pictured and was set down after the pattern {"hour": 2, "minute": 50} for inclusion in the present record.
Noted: {"hour": 6, "minute": 38}
